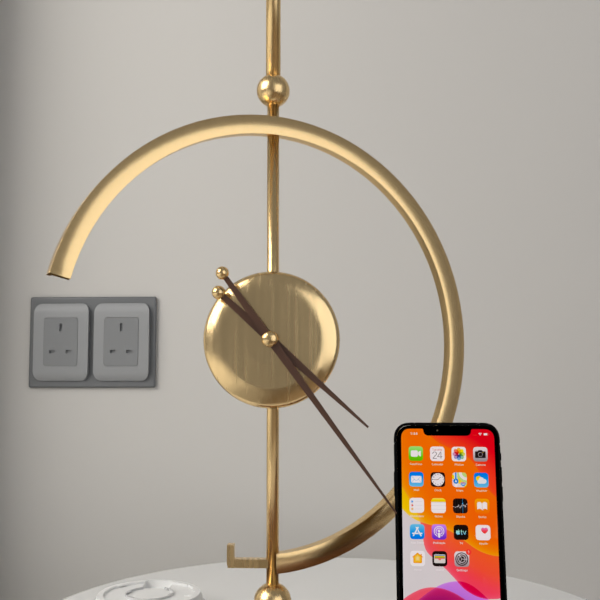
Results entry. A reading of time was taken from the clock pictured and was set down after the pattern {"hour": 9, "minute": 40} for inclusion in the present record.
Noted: {"hour": 4, "minute": 24}
